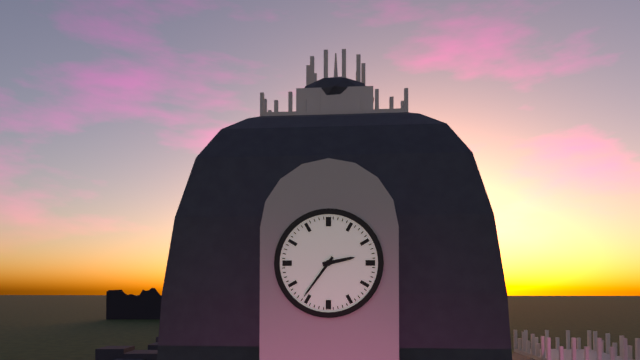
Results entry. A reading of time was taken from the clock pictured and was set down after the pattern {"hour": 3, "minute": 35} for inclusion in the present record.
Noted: {"hour": 2, "minute": 36}
